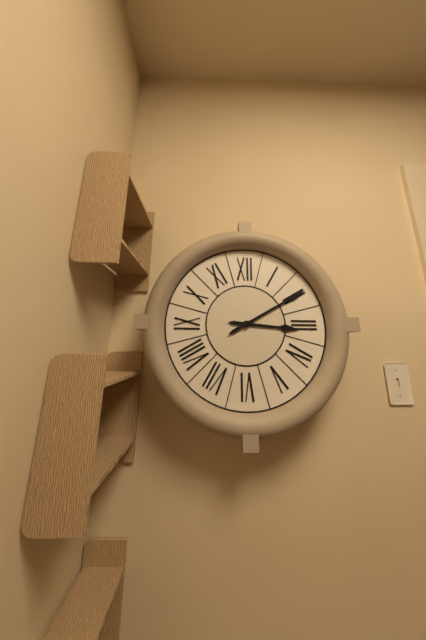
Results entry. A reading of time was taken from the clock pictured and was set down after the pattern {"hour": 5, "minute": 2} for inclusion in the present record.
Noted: {"hour": 3, "minute": 10}
